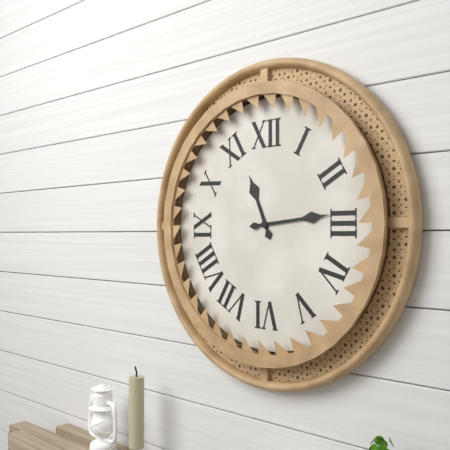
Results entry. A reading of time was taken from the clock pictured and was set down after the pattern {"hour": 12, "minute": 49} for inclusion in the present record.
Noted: {"hour": 11, "minute": 14}
